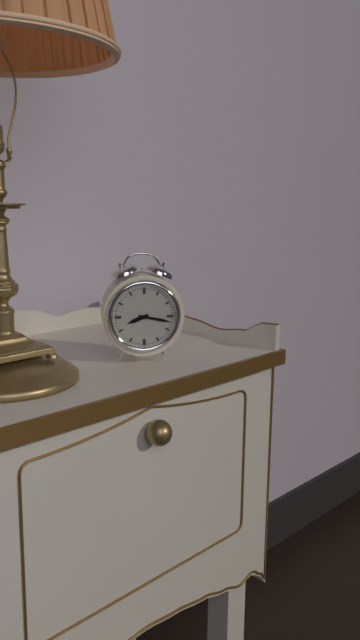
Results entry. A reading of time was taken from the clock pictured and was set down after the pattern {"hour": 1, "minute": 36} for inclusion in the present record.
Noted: {"hour": 8, "minute": 17}
